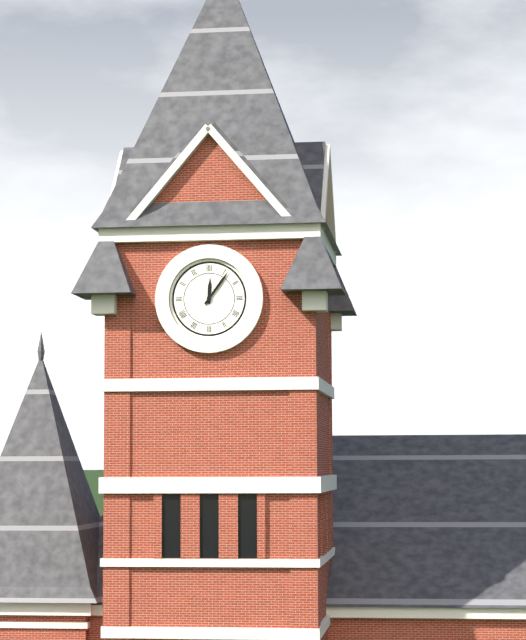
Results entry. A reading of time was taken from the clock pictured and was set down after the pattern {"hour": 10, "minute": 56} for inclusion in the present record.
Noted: {"hour": 12, "minute": 6}
